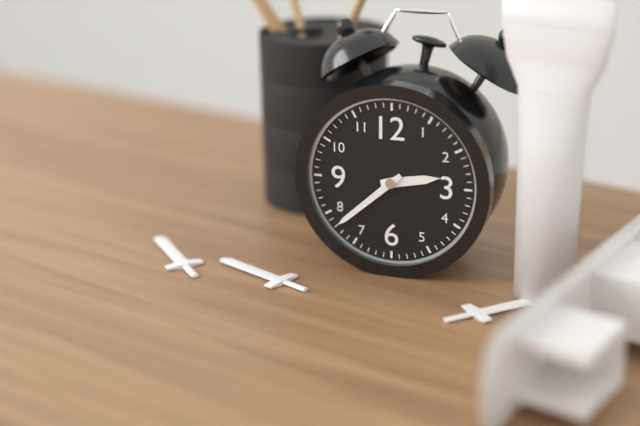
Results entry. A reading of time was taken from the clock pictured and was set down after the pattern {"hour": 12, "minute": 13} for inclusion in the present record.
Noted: {"hour": 2, "minute": 38}
